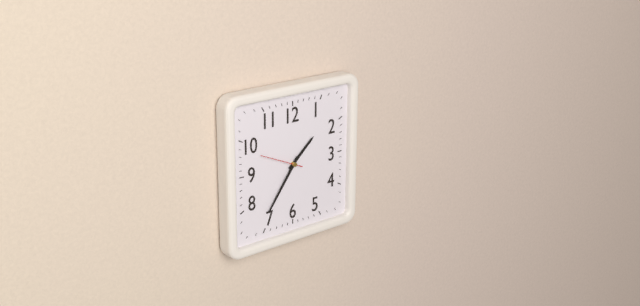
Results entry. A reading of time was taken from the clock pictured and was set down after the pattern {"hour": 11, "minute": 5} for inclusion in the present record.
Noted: {"hour": 1, "minute": 36}
